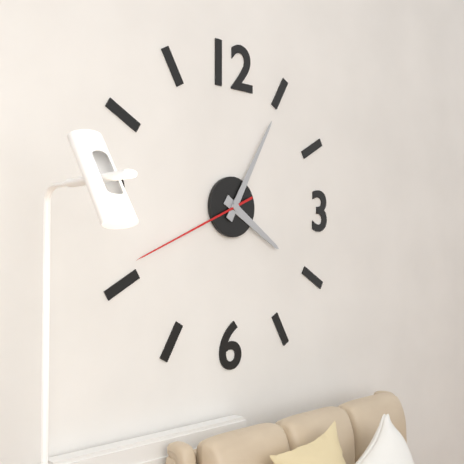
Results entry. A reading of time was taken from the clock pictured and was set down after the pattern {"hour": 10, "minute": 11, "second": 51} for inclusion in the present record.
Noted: {"hour": 4, "minute": 5, "second": 41}
